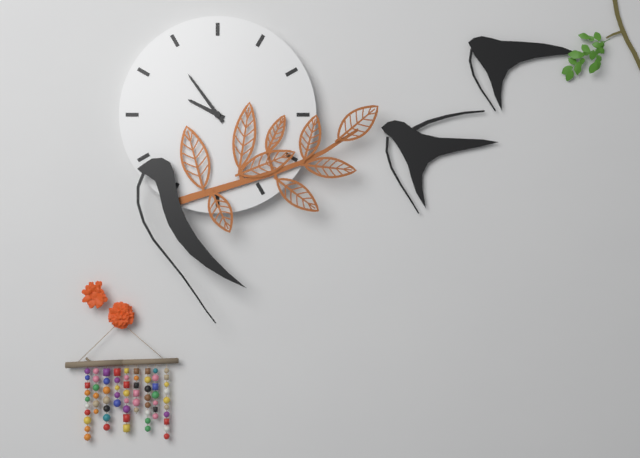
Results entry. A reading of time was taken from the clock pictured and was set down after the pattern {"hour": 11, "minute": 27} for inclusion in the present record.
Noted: {"hour": 9, "minute": 54}
